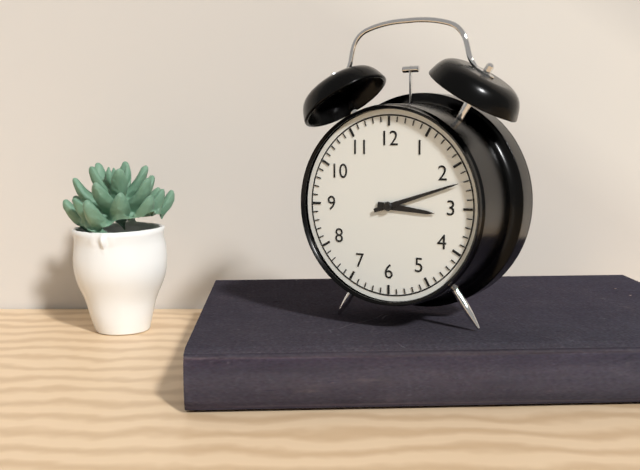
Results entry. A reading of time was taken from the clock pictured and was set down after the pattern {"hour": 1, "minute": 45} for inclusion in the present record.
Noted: {"hour": 3, "minute": 12}
